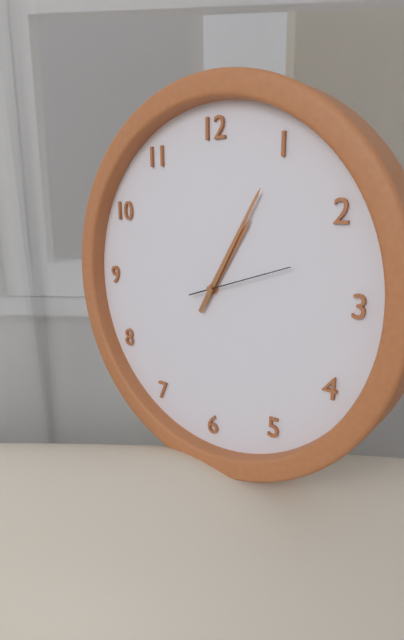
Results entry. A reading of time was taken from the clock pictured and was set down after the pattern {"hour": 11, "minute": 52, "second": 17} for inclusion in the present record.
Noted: {"hour": 1, "minute": 5, "second": 12}
